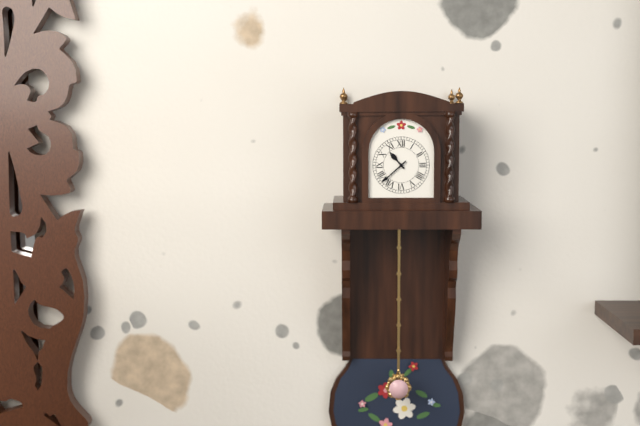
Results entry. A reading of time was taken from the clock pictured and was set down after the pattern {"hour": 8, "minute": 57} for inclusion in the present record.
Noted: {"hour": 10, "minute": 38}
